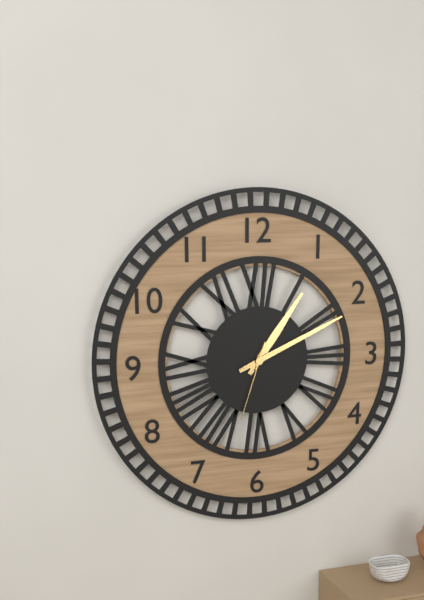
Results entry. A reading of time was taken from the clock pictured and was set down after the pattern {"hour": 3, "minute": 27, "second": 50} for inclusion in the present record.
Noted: {"hour": 1, "minute": 11, "second": 33}
